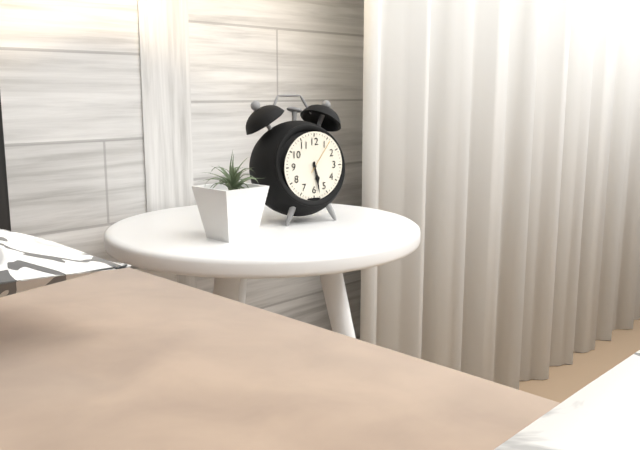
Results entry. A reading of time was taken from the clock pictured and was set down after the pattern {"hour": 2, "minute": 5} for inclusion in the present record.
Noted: {"hour": 5, "minute": 28}
